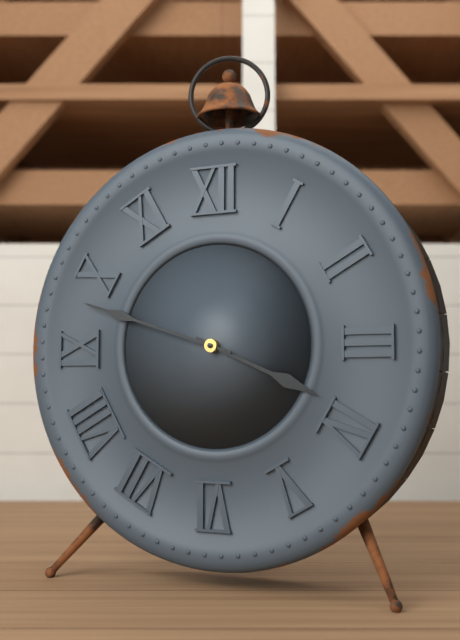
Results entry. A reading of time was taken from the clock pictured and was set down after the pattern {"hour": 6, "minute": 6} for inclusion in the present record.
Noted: {"hour": 3, "minute": 48}
